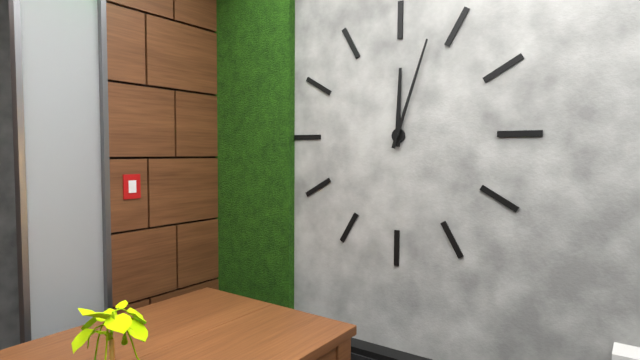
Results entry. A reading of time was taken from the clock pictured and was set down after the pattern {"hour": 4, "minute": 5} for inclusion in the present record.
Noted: {"hour": 12, "minute": 3}
